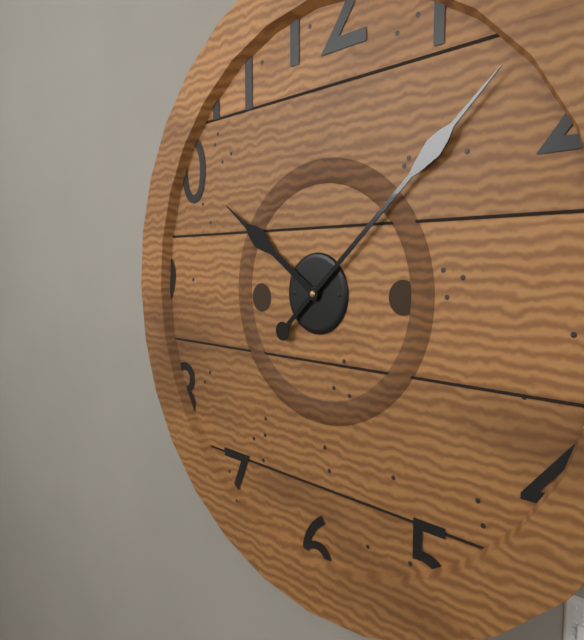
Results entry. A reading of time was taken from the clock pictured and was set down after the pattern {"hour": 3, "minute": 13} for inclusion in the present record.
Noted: {"hour": 10, "minute": 8}
